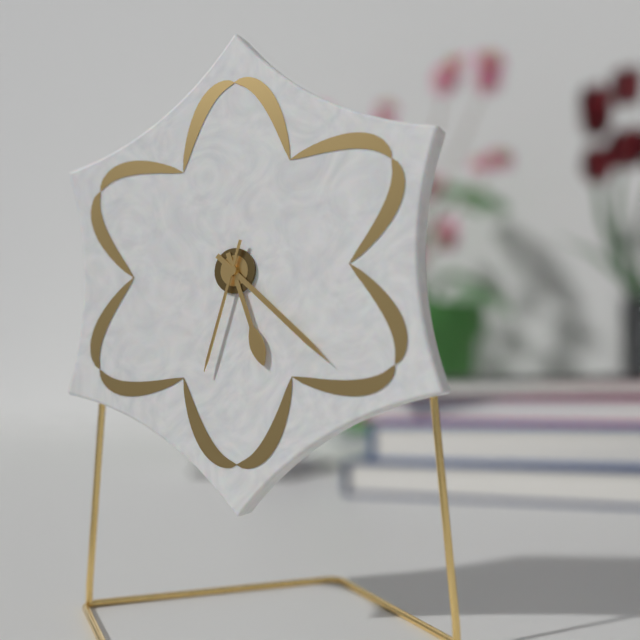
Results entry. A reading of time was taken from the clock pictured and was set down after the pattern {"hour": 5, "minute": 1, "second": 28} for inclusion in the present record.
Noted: {"hour": 5, "minute": 22, "second": 33}
